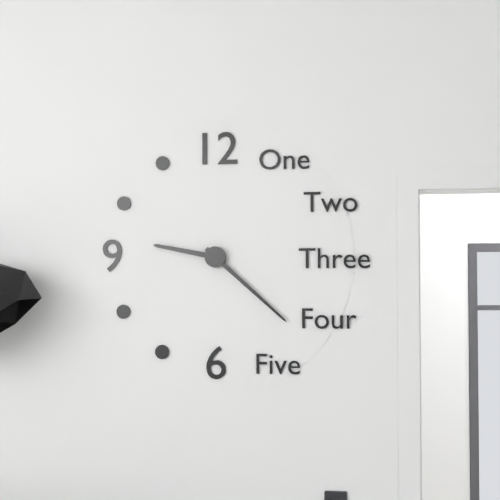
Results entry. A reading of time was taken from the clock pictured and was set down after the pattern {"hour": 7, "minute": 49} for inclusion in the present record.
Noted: {"hour": 9, "minute": 22}
